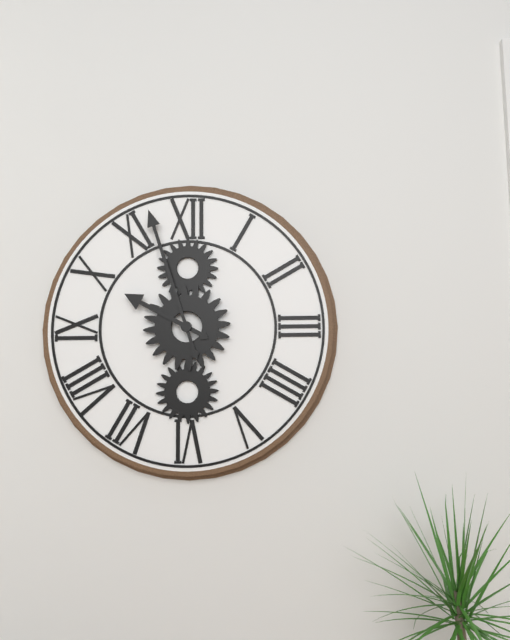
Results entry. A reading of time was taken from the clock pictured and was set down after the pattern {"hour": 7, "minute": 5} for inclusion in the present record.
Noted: {"hour": 9, "minute": 57}
